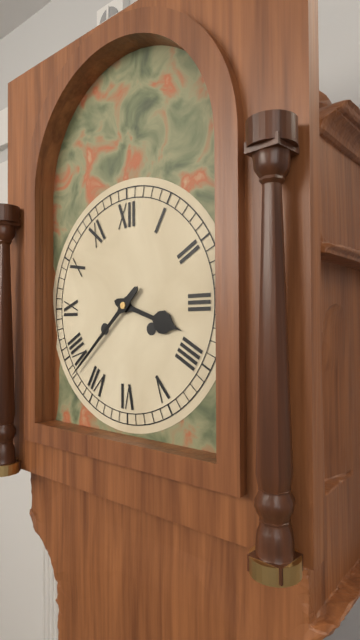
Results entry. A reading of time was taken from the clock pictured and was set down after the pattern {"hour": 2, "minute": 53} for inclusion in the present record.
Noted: {"hour": 3, "minute": 38}
